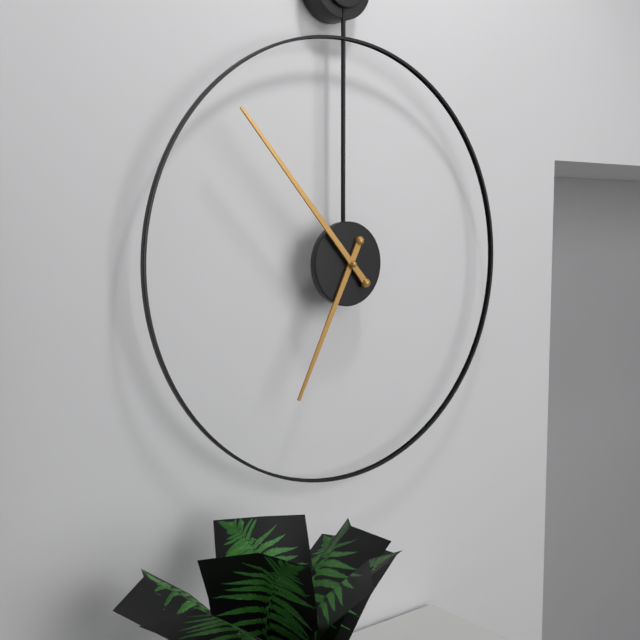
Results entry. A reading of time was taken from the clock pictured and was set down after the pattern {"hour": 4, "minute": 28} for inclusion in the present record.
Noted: {"hour": 6, "minute": 53}
